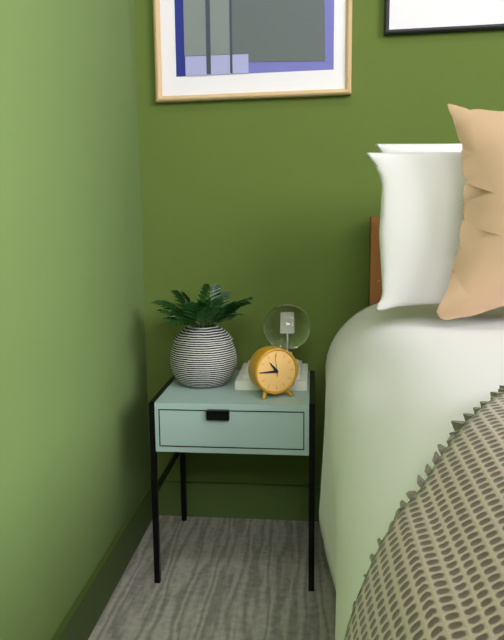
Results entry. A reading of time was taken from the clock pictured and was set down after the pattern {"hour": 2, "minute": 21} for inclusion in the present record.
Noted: {"hour": 10, "minute": 45}
